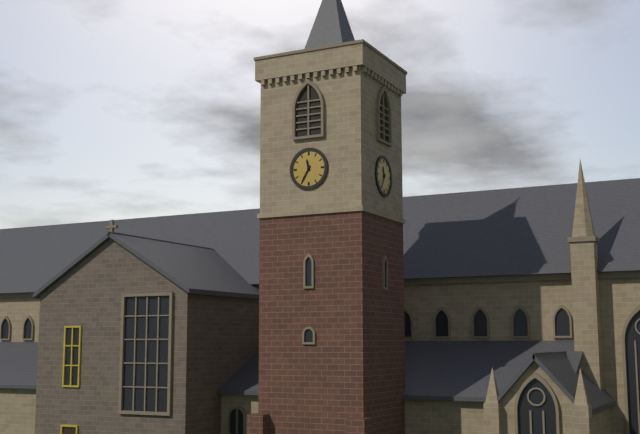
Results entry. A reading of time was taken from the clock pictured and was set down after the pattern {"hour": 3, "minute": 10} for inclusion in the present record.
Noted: {"hour": 11, "minute": 35}
